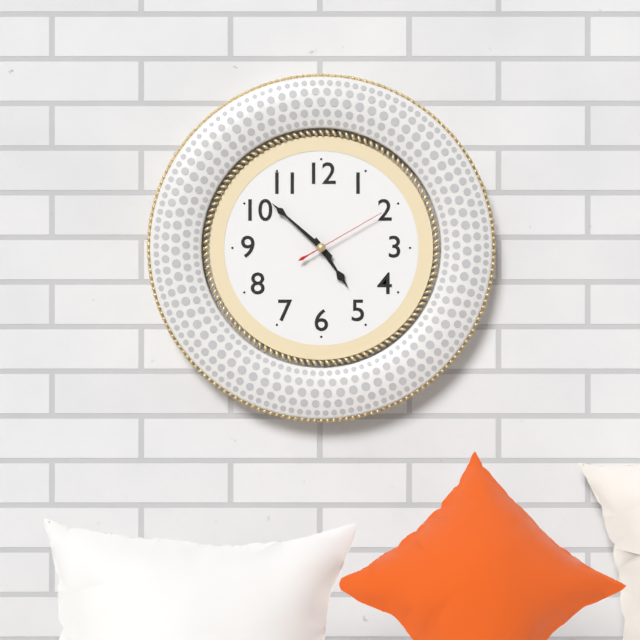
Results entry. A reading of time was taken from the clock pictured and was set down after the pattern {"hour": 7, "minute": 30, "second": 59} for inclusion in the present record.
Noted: {"hour": 4, "minute": 52, "second": 10}
